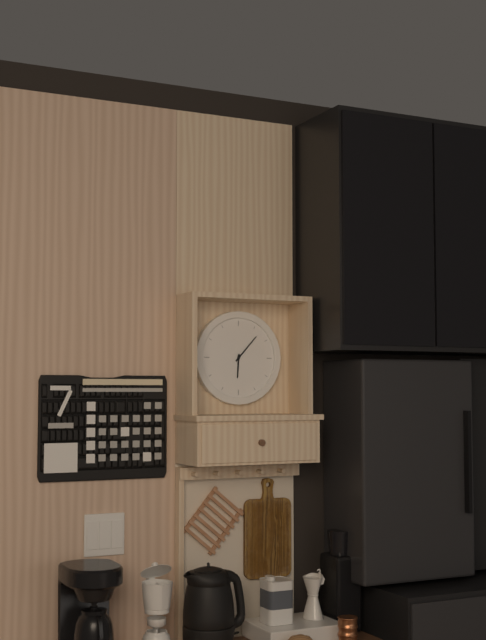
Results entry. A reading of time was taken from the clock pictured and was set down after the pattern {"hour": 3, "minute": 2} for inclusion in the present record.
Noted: {"hour": 6, "minute": 7}
